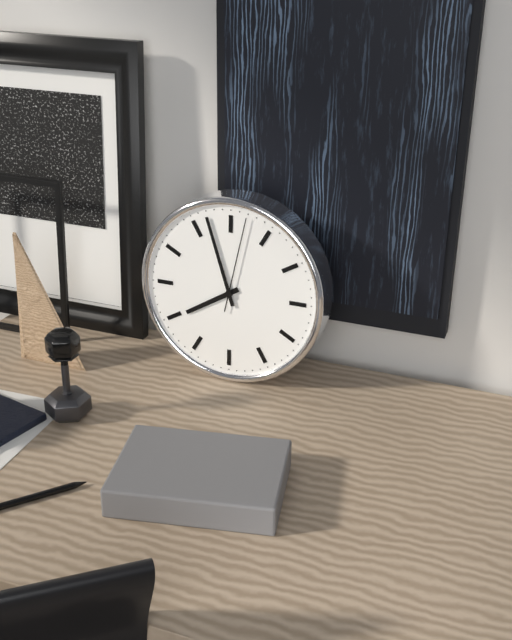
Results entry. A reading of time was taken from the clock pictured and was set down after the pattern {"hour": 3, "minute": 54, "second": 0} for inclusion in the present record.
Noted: {"hour": 7, "minute": 57, "second": 2}
